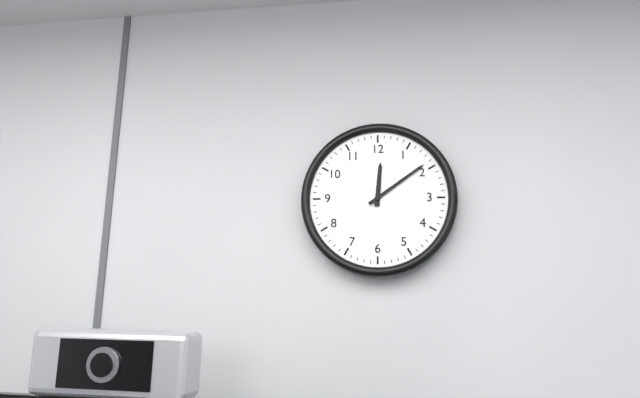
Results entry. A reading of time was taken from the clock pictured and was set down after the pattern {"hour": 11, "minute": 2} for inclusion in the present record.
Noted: {"hour": 12, "minute": 9}
